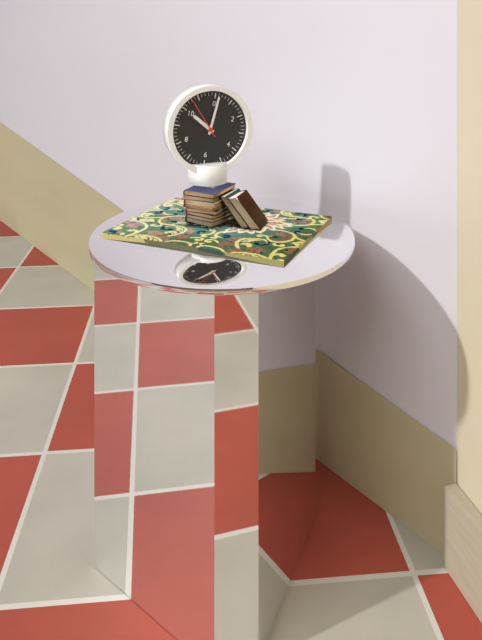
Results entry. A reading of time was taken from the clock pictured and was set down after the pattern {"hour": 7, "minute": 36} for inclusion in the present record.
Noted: {"hour": 10, "minute": 1}
